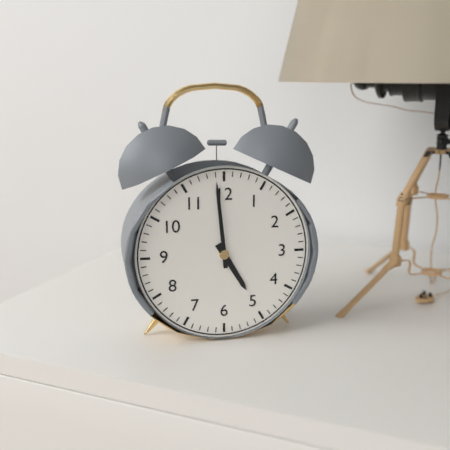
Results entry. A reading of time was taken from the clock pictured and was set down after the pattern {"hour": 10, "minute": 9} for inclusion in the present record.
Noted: {"hour": 4, "minute": 59}
